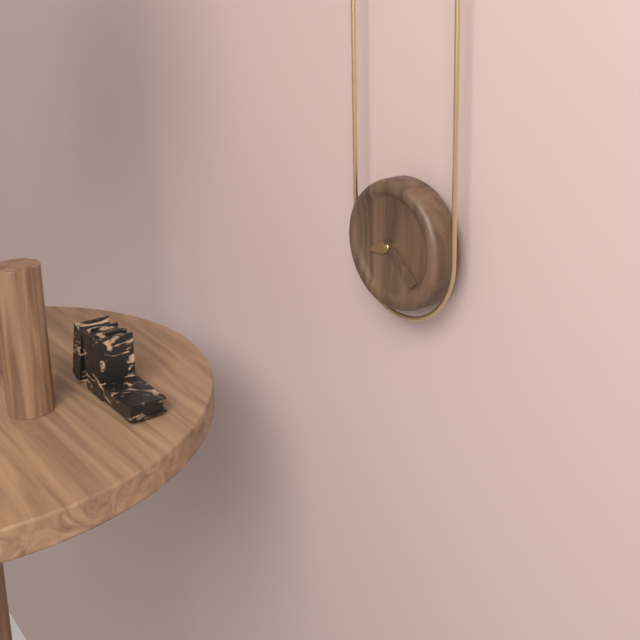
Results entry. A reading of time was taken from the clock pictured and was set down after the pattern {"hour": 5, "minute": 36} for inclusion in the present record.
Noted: {"hour": 8, "minute": 22}
